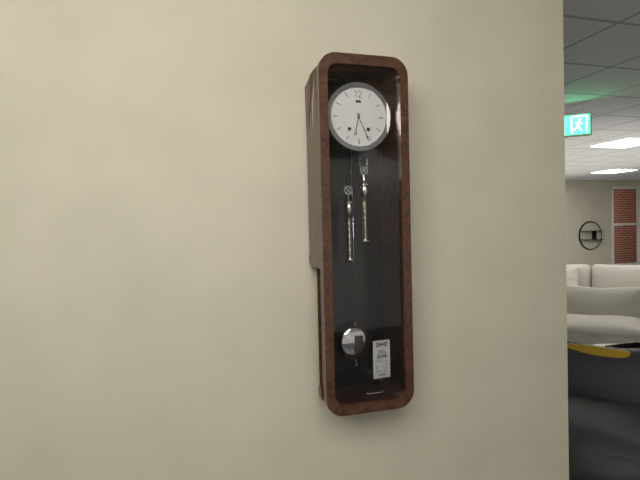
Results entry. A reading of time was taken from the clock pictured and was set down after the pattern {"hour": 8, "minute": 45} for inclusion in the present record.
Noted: {"hour": 6, "minute": 26}
